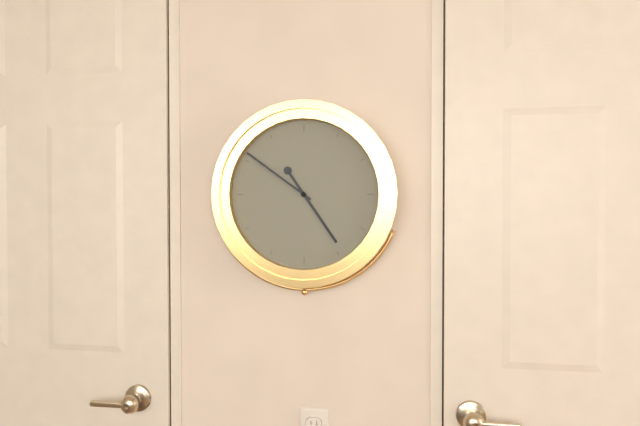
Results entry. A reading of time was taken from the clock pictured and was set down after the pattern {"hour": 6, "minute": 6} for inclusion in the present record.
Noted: {"hour": 4, "minute": 51}
